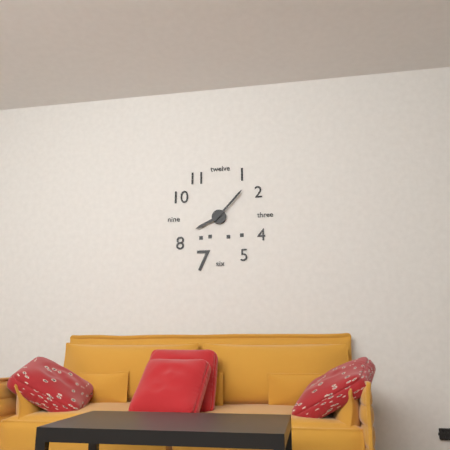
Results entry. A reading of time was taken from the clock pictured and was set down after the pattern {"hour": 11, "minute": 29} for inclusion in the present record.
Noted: {"hour": 8, "minute": 7}
